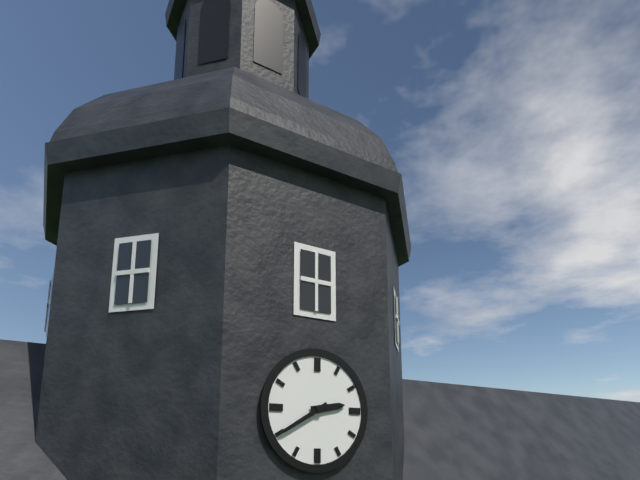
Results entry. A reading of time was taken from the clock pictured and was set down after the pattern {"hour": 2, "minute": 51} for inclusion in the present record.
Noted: {"hour": 2, "minute": 40}
